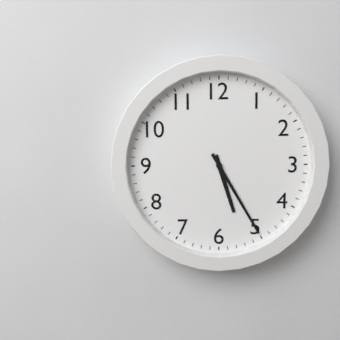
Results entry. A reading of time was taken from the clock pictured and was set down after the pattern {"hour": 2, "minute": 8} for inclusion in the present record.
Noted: {"hour": 5, "minute": 25}
